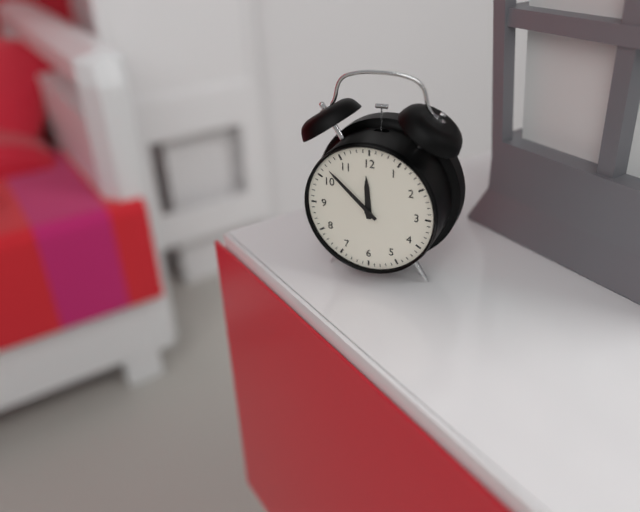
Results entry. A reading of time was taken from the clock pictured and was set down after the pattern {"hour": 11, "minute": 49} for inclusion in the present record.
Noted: {"hour": 11, "minute": 52}
